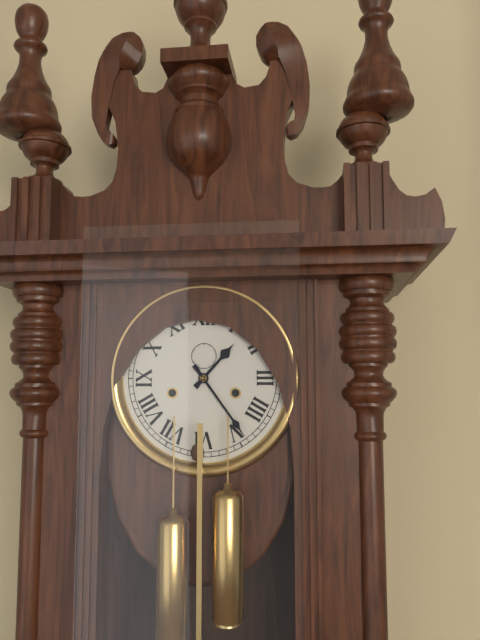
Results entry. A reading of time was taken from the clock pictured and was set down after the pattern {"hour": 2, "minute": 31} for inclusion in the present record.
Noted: {"hour": 1, "minute": 24}
